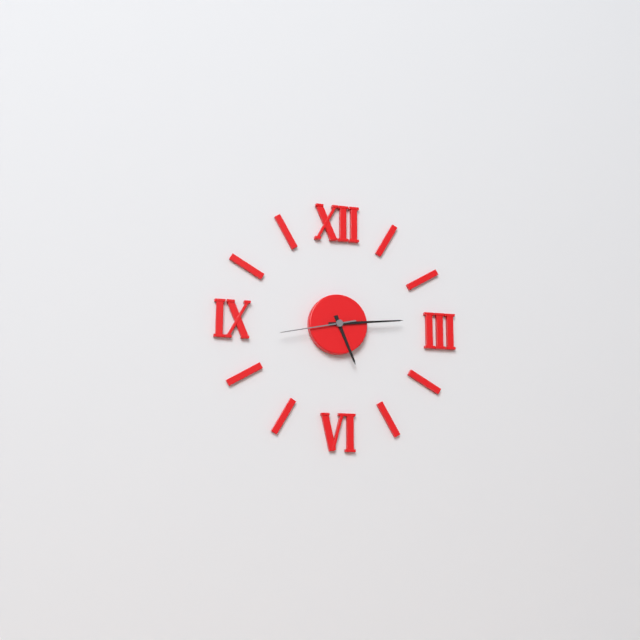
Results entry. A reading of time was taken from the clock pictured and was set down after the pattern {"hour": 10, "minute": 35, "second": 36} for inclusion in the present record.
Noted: {"hour": 5, "minute": 14, "second": 43}
